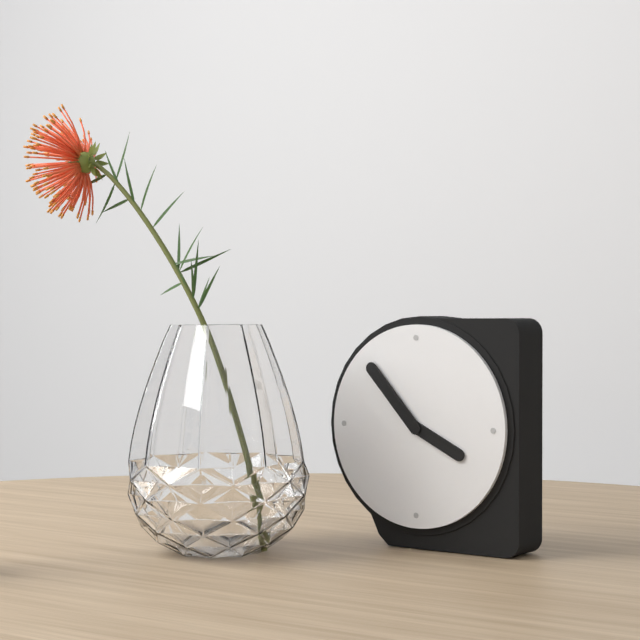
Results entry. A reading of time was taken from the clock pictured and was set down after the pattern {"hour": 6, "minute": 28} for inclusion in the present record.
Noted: {"hour": 3, "minute": 53}
